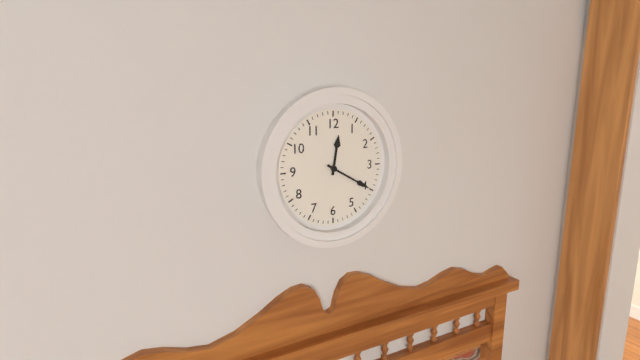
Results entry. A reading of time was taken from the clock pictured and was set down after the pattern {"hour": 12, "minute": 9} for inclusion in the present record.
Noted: {"hour": 12, "minute": 20}
